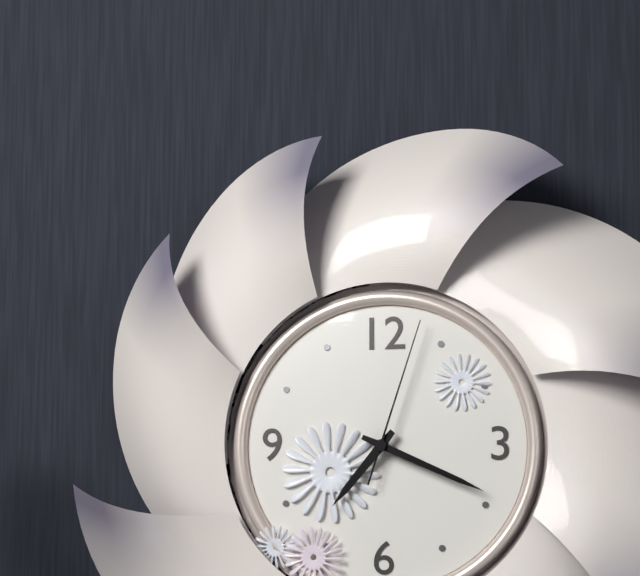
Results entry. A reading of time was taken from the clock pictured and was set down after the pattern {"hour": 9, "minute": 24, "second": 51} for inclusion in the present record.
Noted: {"hour": 7, "minute": 19, "second": 3}
